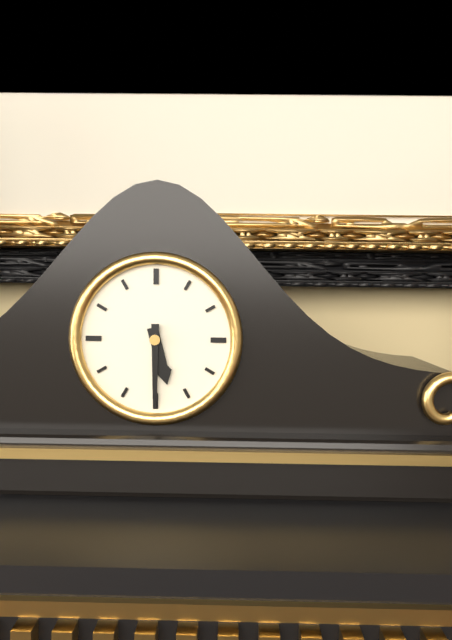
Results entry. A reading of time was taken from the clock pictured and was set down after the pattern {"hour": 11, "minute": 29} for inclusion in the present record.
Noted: {"hour": 5, "minute": 30}
